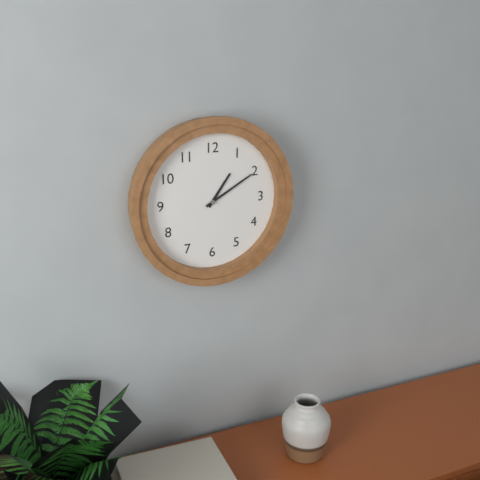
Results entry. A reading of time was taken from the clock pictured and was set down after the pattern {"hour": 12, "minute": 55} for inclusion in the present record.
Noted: {"hour": 1, "minute": 10}
